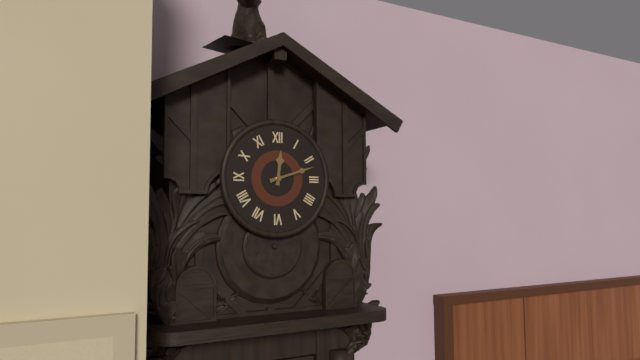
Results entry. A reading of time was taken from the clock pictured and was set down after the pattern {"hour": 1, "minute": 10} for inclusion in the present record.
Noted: {"hour": 12, "minute": 12}
